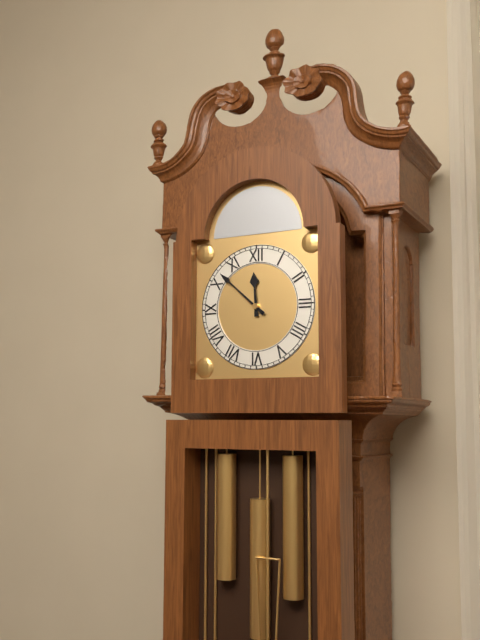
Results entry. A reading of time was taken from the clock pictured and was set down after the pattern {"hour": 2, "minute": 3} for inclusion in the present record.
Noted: {"hour": 11, "minute": 52}
